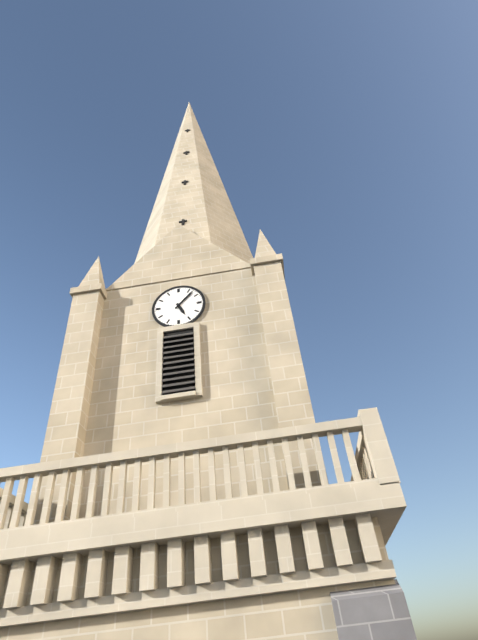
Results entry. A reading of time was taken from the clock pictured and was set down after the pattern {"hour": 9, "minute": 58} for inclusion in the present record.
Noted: {"hour": 5, "minute": 7}
